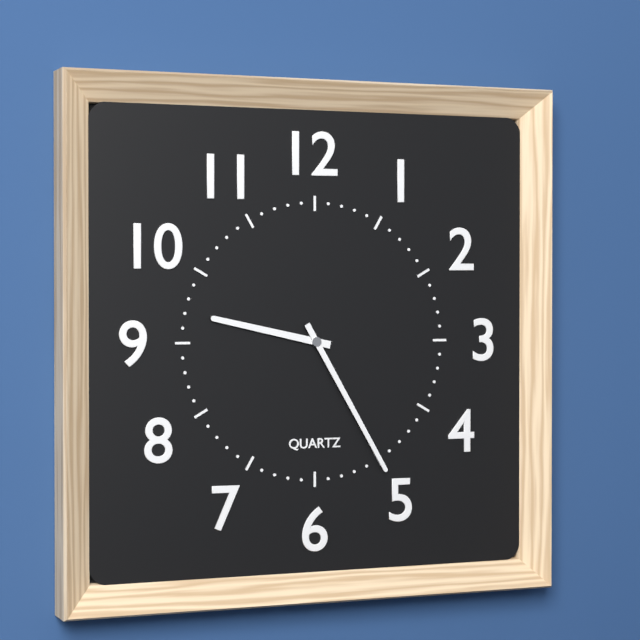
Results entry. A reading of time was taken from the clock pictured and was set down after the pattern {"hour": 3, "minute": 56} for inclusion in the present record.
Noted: {"hour": 9, "minute": 25}
